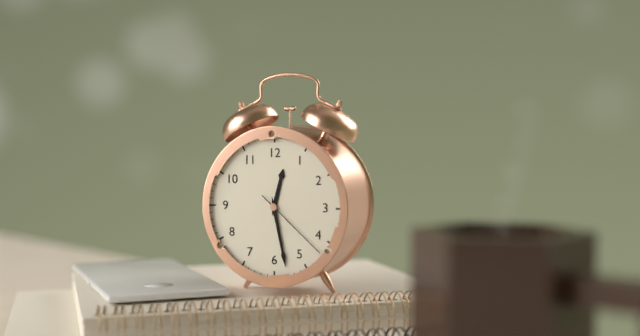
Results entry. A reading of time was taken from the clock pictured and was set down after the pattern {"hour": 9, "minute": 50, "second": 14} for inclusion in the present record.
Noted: {"hour": 12, "minute": 28, "second": 22}
